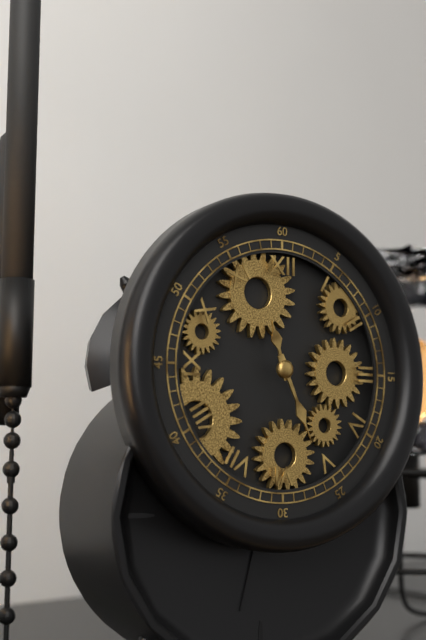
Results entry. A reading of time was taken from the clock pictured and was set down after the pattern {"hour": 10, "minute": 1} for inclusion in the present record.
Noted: {"hour": 11, "minute": 26}
